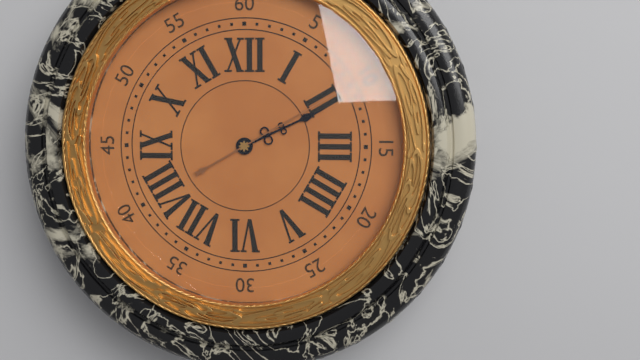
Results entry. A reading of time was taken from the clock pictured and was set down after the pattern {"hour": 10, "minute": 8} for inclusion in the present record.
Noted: {"hour": 2, "minute": 10}
